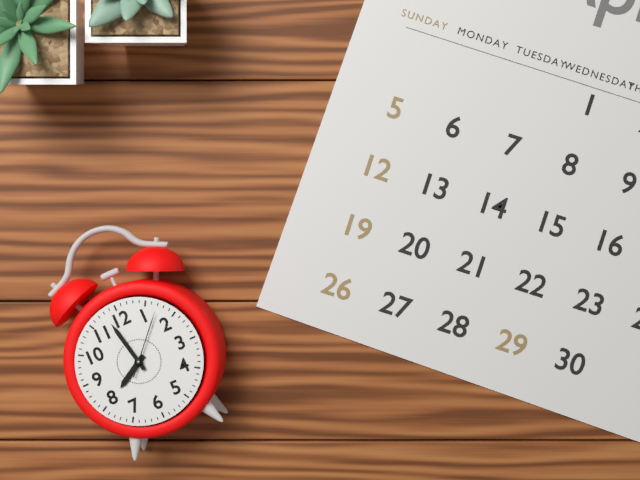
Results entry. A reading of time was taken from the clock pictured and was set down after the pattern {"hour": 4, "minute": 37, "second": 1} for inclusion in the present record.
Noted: {"hour": 7, "minute": 58, "second": 7}
